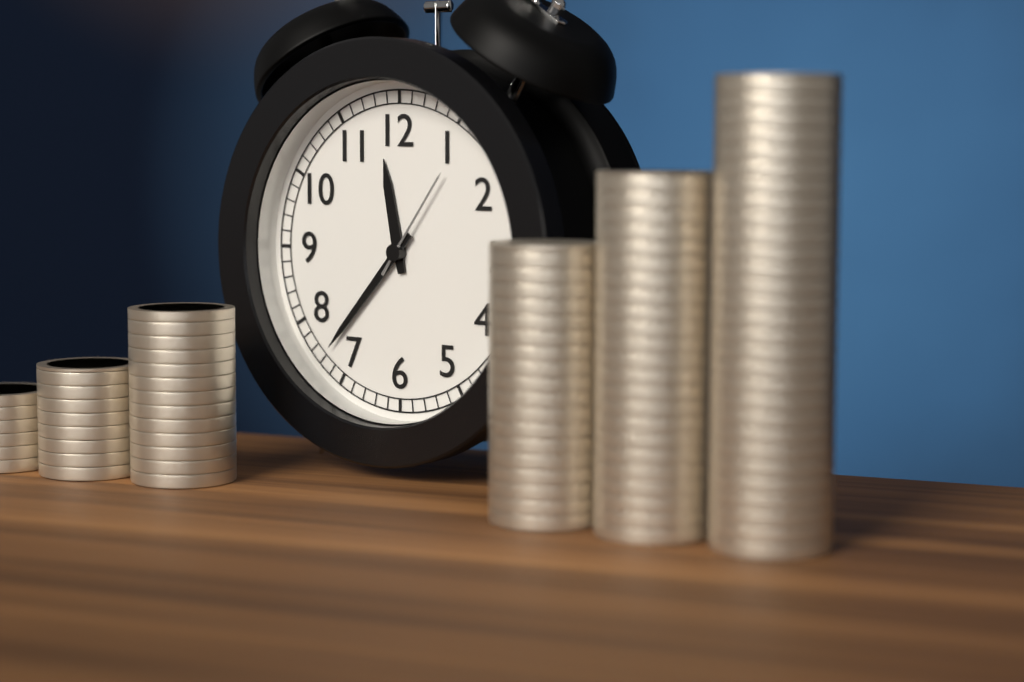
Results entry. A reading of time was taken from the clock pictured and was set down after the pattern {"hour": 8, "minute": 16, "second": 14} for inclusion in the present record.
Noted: {"hour": 11, "minute": 37, "second": 6}
